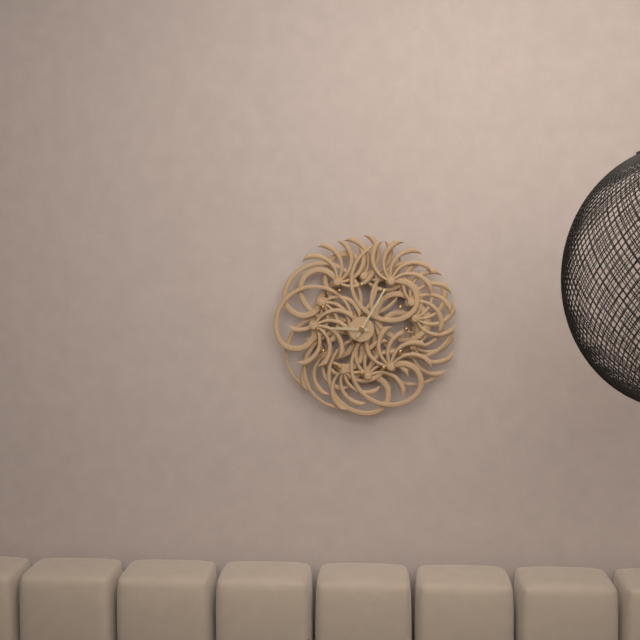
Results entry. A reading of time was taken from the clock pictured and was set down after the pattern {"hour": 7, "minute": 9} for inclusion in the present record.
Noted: {"hour": 9, "minute": 5}
